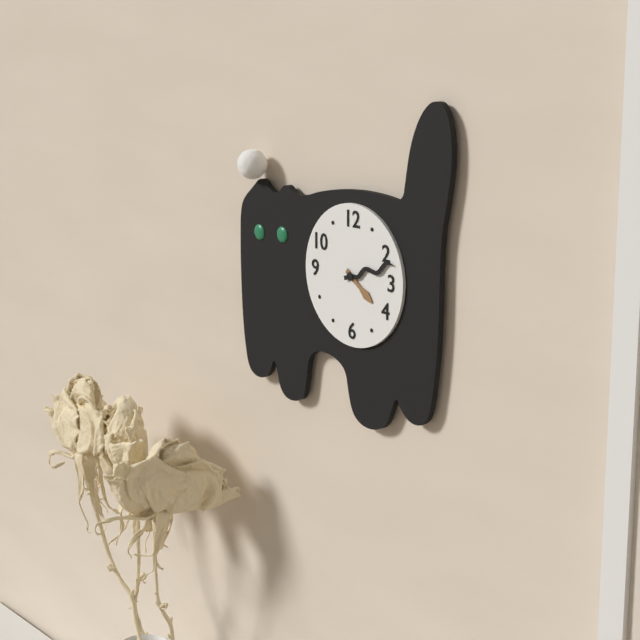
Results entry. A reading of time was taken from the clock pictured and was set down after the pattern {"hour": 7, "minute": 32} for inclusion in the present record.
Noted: {"hour": 4, "minute": 12}
